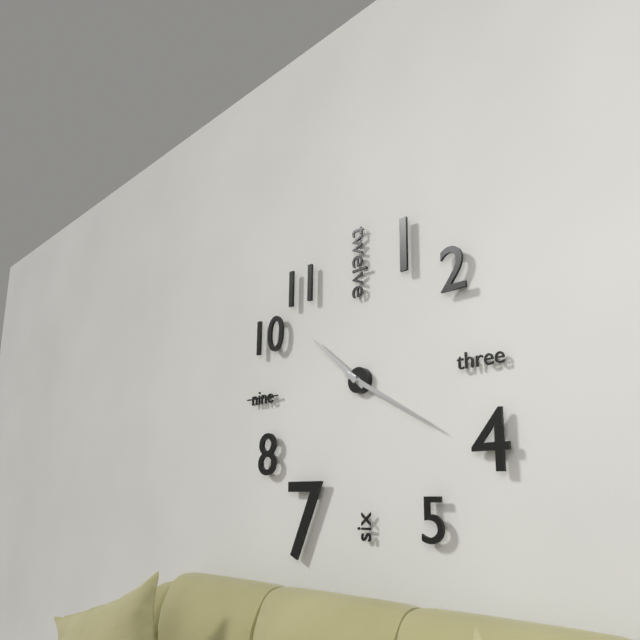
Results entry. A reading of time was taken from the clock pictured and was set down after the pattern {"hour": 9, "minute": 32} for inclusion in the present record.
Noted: {"hour": 10, "minute": 20}
